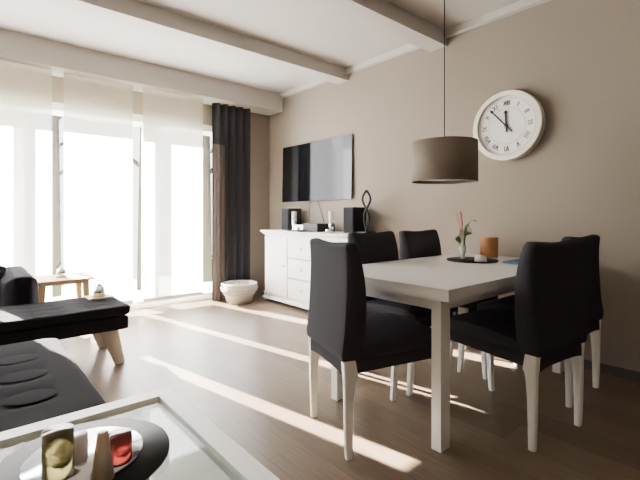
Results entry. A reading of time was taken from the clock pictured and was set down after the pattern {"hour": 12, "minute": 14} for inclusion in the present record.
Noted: {"hour": 11, "minute": 53}
